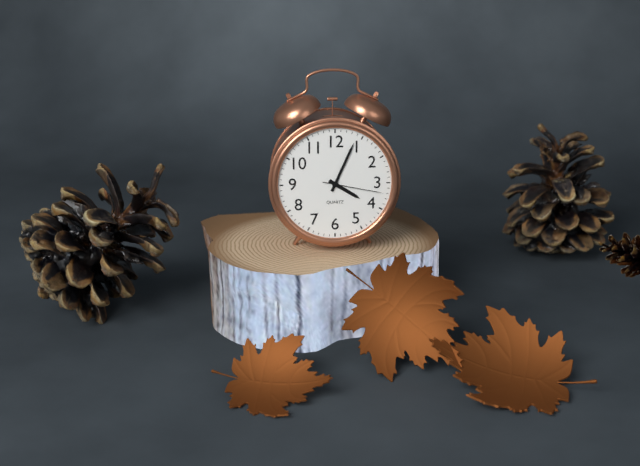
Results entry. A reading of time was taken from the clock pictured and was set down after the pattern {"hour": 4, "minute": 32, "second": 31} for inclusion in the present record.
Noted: {"hour": 4, "minute": 4, "second": 17}
